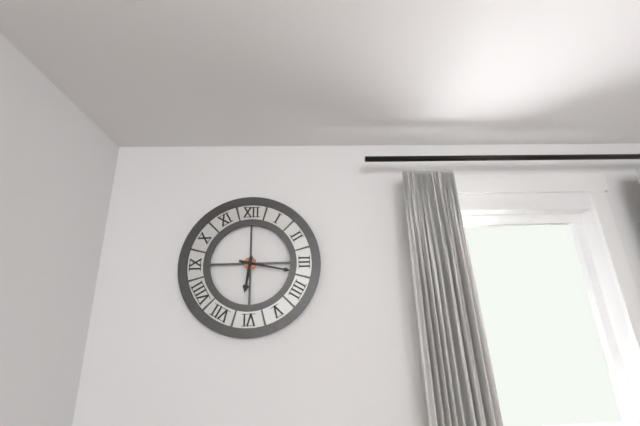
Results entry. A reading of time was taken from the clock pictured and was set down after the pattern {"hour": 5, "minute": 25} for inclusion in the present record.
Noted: {"hour": 6, "minute": 17}
